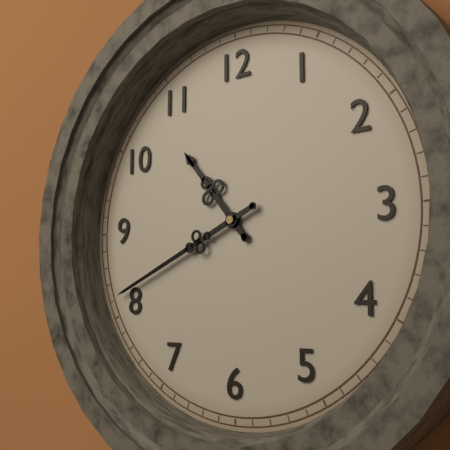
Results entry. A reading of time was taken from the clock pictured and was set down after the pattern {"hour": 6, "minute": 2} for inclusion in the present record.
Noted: {"hour": 10, "minute": 41}
